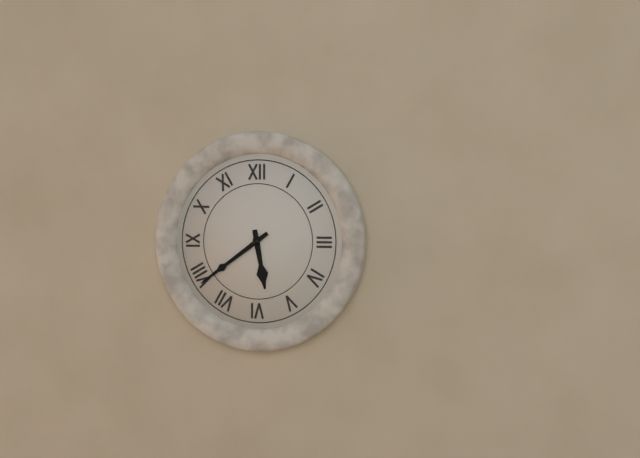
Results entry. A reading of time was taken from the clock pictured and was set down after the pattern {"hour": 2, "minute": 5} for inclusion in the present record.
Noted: {"hour": 5, "minute": 39}
